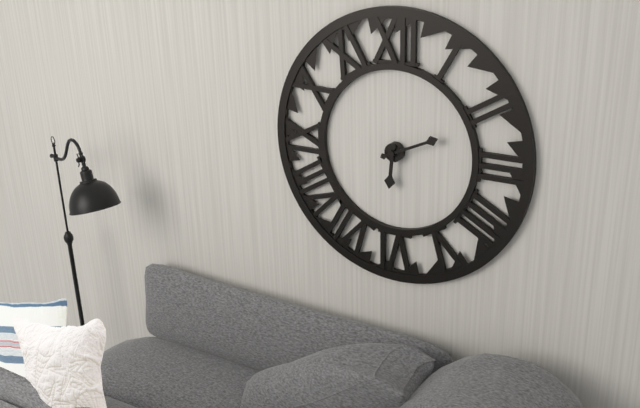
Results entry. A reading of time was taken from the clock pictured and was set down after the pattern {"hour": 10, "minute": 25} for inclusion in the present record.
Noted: {"hour": 6, "minute": 11}
